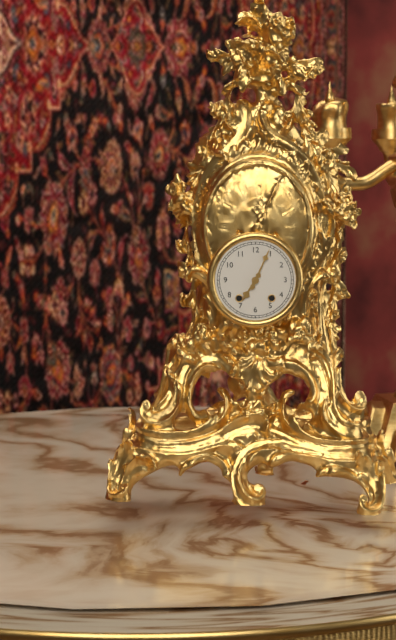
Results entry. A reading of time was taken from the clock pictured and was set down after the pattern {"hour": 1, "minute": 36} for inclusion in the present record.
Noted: {"hour": 7, "minute": 4}
